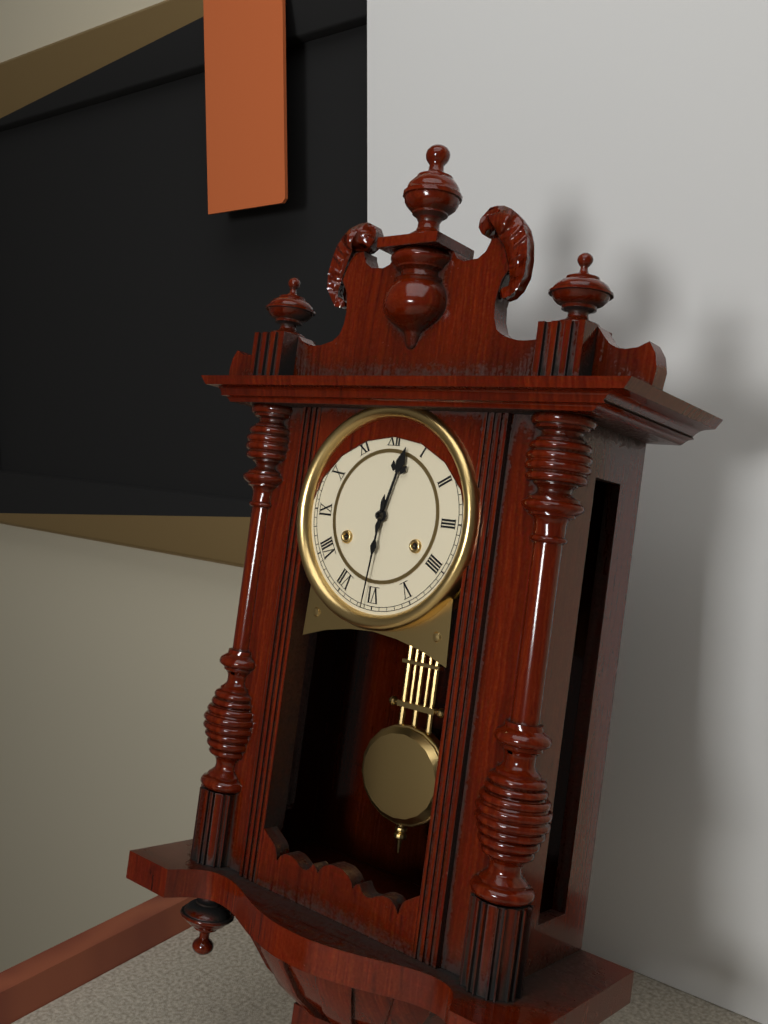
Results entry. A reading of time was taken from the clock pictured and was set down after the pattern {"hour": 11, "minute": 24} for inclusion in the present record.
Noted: {"hour": 12, "minute": 31}
